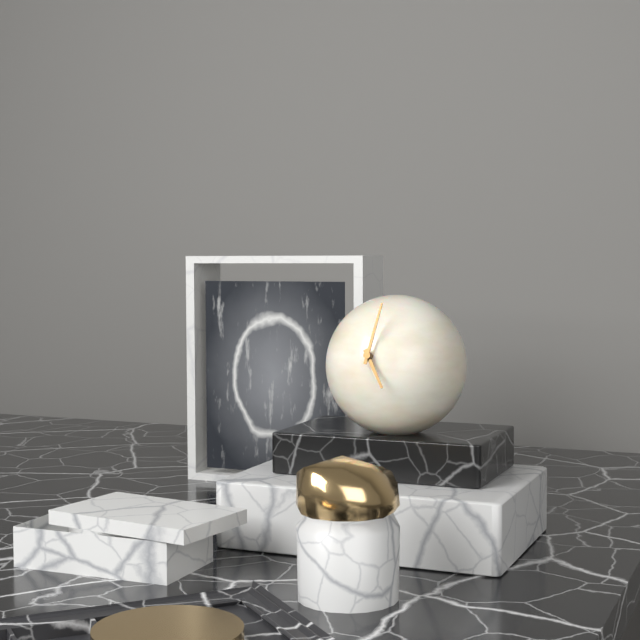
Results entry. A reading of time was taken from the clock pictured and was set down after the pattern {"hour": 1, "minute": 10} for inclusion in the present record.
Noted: {"hour": 5, "minute": 2}
